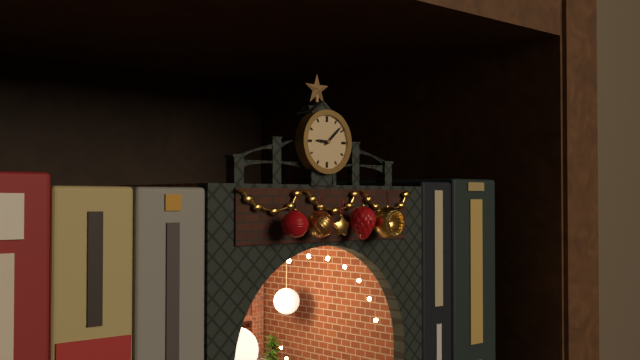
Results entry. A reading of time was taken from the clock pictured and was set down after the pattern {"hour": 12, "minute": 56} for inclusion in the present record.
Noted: {"hour": 9, "minute": 8}
